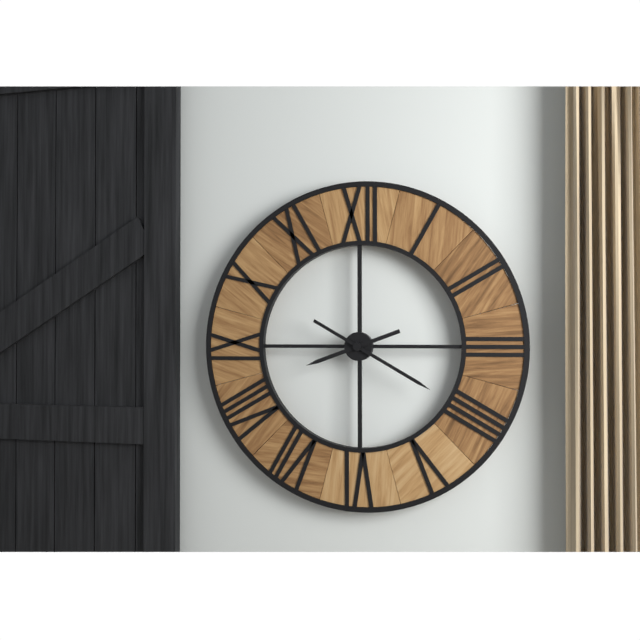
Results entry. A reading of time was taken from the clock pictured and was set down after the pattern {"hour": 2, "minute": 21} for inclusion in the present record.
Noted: {"hour": 8, "minute": 20}
